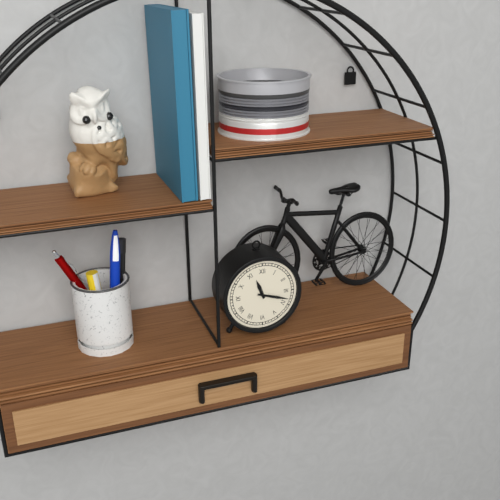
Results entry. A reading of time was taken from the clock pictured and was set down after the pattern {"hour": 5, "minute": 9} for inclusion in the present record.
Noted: {"hour": 11, "minute": 18}
